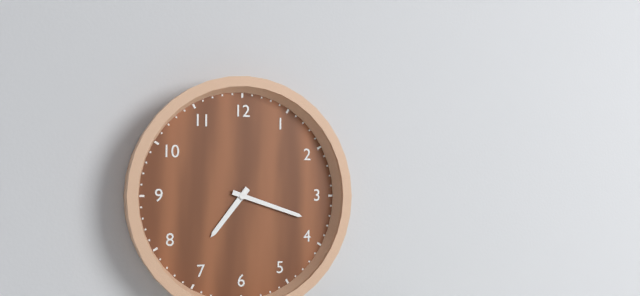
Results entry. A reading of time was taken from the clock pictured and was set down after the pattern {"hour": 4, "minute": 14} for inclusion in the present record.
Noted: {"hour": 7, "minute": 18}
